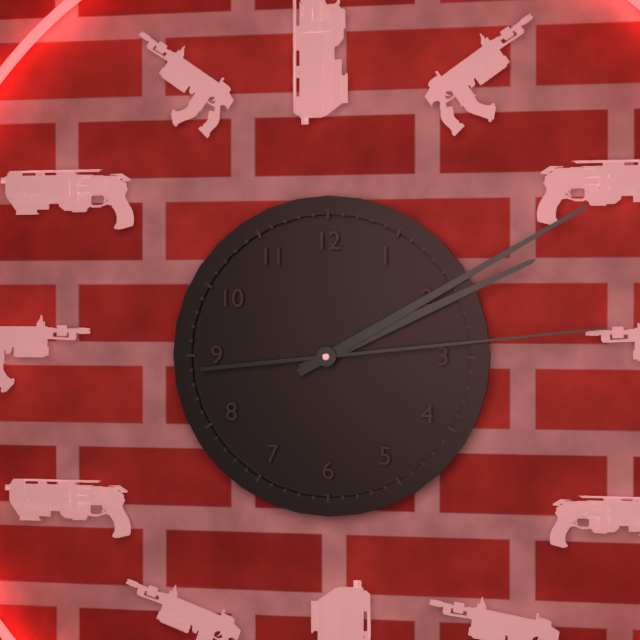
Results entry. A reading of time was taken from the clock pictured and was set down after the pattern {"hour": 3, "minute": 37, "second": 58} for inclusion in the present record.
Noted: {"hour": 2, "minute": 10, "second": 14}
